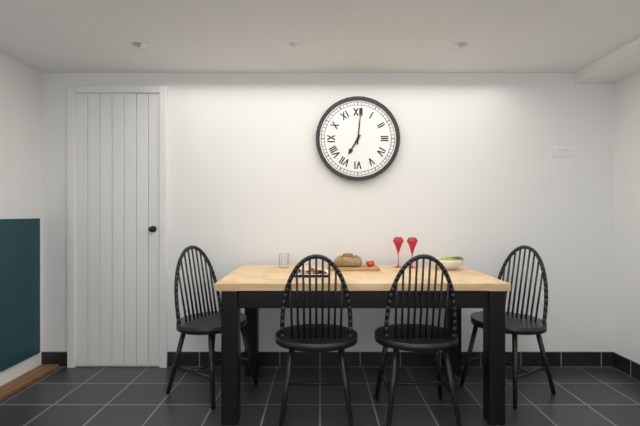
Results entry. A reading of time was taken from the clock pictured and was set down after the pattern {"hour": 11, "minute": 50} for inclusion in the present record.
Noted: {"hour": 7, "minute": 1}
